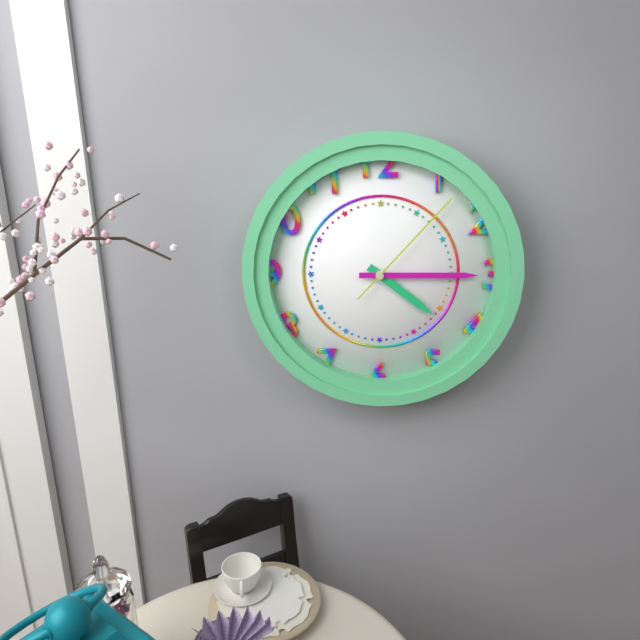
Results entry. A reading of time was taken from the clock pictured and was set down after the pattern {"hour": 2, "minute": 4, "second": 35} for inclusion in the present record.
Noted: {"hour": 4, "minute": 15, "second": 7}
